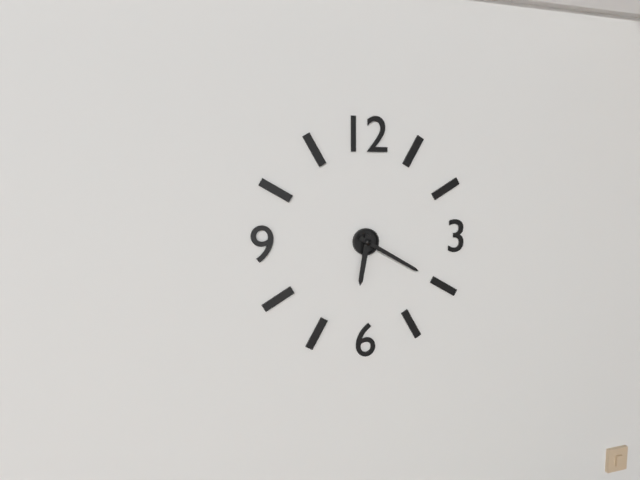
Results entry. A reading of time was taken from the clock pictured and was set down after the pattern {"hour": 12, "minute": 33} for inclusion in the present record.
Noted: {"hour": 6, "minute": 20}
